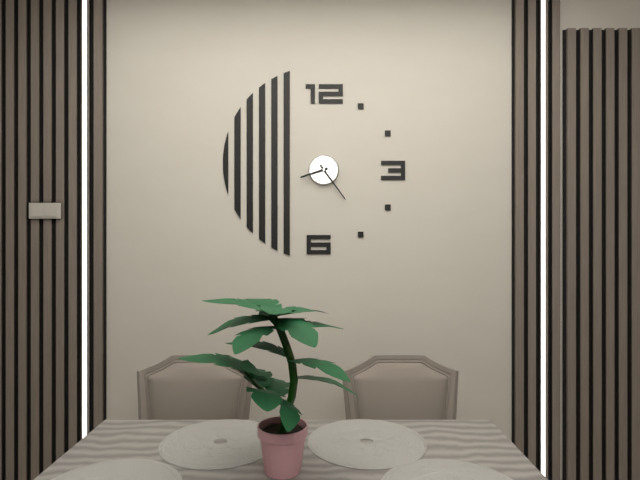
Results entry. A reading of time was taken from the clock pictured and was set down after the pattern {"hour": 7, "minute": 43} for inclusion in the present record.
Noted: {"hour": 8, "minute": 24}
